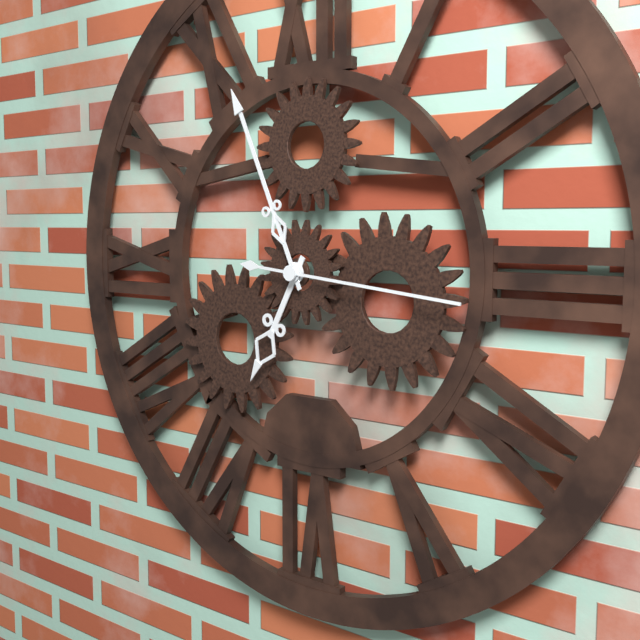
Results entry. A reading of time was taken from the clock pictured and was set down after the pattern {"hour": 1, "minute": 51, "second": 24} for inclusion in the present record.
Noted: {"hour": 6, "minute": 56, "second": 16}
